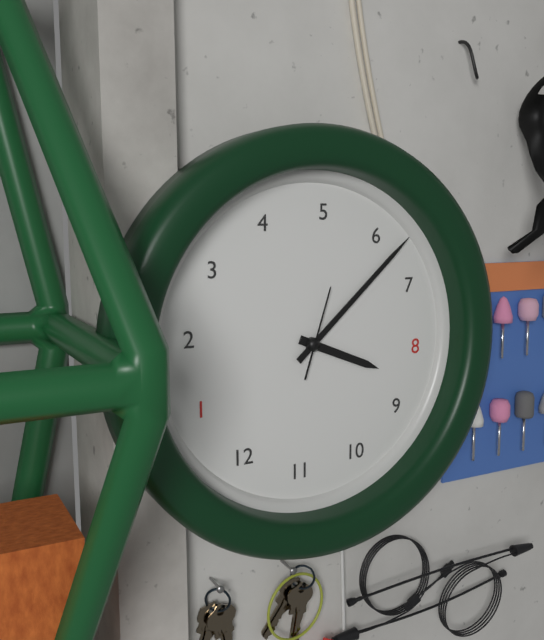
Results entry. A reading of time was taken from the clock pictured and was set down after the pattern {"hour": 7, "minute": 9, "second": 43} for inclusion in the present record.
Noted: {"hour": 8, "minute": 32, "second": 27}
